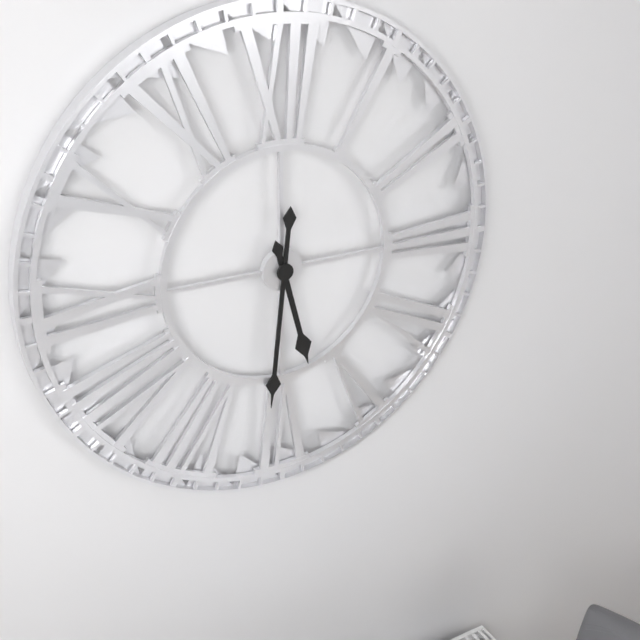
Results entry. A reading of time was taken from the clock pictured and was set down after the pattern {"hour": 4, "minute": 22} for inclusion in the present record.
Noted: {"hour": 5, "minute": 31}
